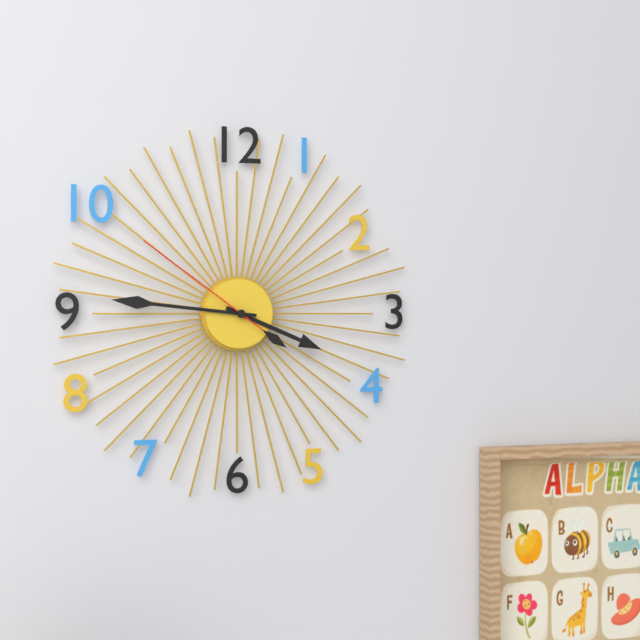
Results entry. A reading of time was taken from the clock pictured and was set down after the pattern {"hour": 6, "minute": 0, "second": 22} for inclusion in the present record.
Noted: {"hour": 3, "minute": 46, "second": 51}
